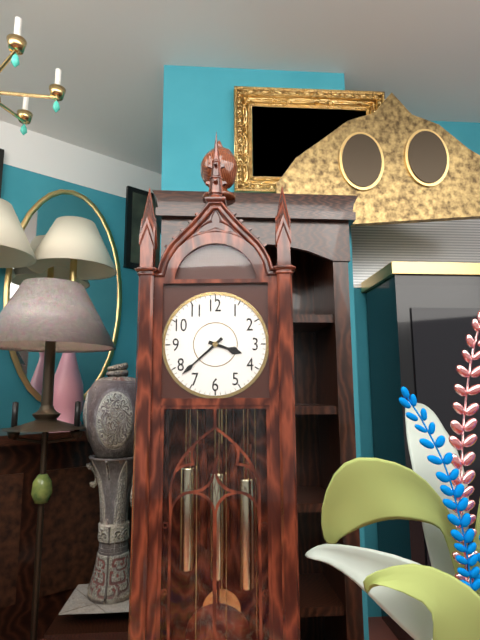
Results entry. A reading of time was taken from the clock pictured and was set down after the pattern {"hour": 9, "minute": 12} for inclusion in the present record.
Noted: {"hour": 3, "minute": 38}
